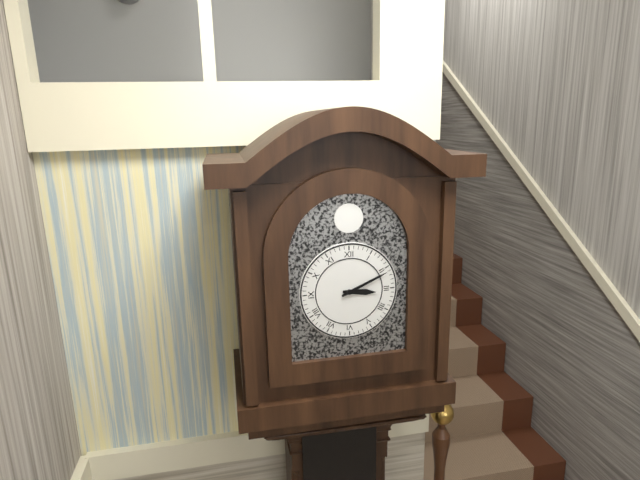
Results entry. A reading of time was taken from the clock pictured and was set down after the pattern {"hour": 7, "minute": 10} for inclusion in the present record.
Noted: {"hour": 3, "minute": 11}
